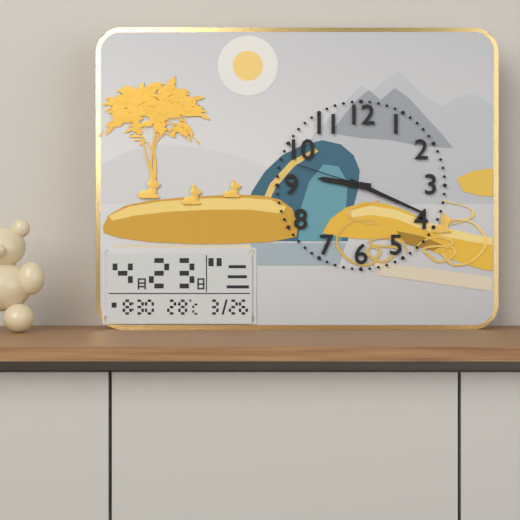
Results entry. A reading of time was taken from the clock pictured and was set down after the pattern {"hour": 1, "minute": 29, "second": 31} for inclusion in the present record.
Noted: {"hour": 9, "minute": 19, "second": 48}
